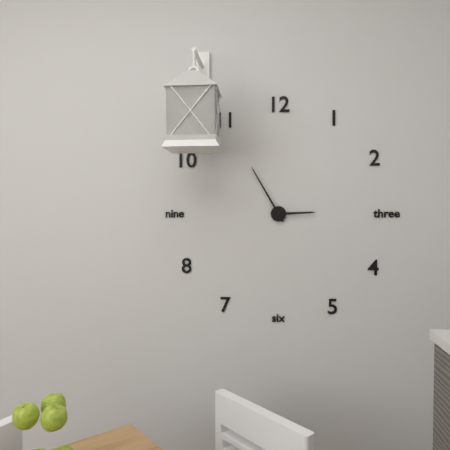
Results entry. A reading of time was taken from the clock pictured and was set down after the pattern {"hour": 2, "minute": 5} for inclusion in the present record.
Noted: {"hour": 2, "minute": 55}
